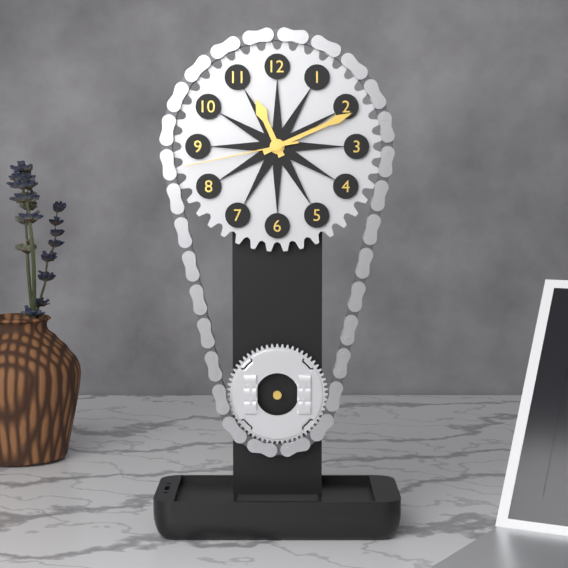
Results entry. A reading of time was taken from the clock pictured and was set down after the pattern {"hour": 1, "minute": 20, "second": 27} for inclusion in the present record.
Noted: {"hour": 11, "minute": 11, "second": 43}
